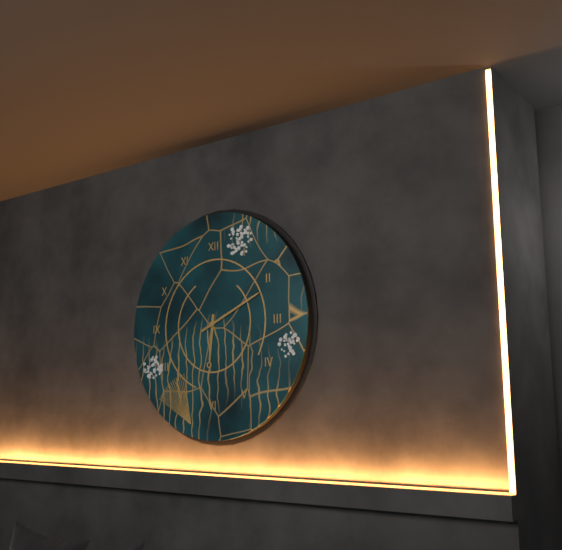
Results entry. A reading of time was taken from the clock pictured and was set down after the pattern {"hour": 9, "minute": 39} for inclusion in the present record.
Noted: {"hour": 6, "minute": 11}
